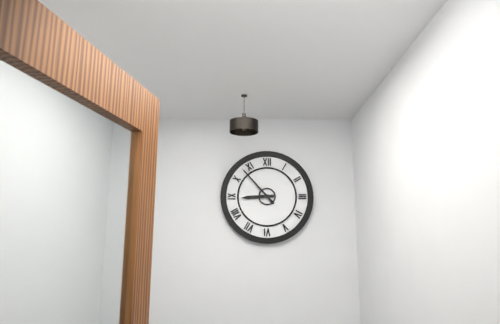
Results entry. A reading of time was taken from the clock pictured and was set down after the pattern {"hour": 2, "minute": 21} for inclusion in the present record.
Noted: {"hour": 8, "minute": 53}
